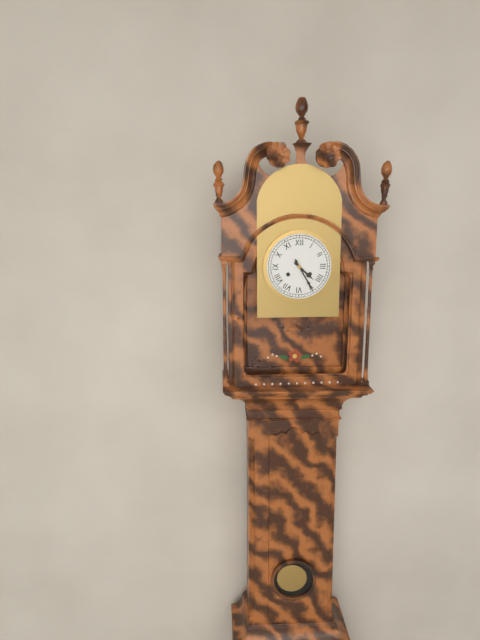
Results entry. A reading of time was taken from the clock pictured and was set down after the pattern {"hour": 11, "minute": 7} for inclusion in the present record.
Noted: {"hour": 4, "minute": 25}
